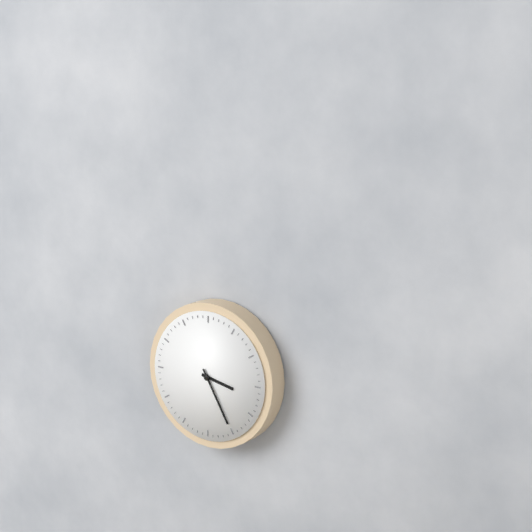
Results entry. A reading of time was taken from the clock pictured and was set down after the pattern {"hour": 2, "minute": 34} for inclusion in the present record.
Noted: {"hour": 3, "minute": 25}
